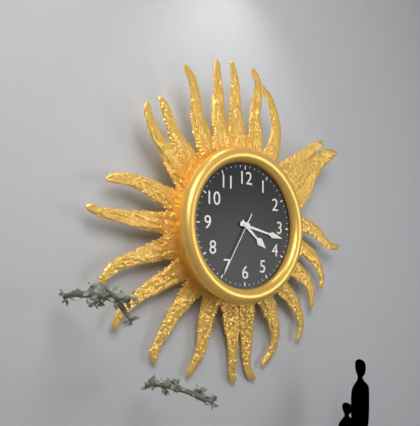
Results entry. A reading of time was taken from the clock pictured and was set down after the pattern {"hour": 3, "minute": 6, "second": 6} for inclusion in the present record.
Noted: {"hour": 4, "minute": 17, "second": 35}
